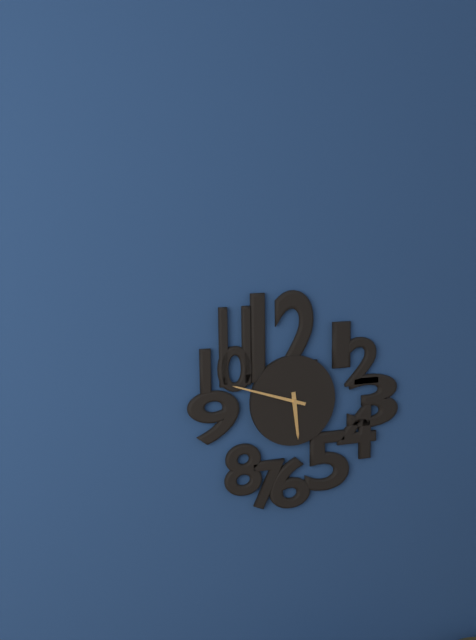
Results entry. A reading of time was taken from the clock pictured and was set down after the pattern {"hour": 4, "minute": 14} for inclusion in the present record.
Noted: {"hour": 5, "minute": 48}
